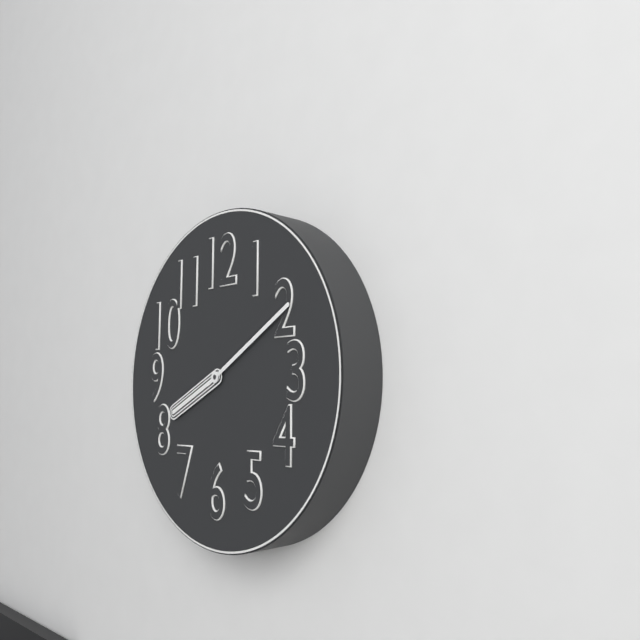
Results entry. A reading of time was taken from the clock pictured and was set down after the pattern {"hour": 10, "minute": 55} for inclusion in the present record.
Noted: {"hour": 8, "minute": 10}
